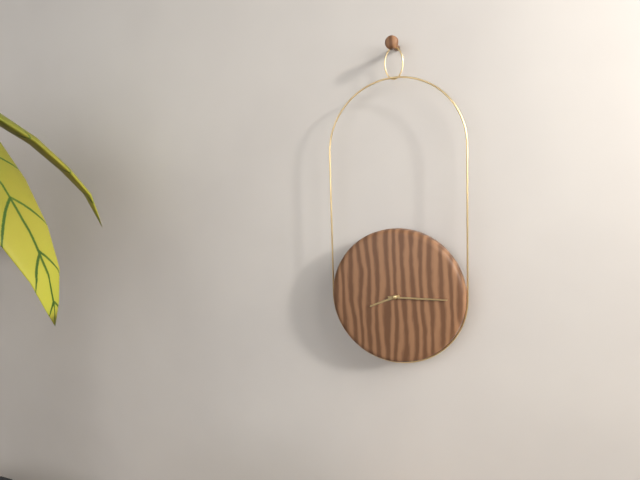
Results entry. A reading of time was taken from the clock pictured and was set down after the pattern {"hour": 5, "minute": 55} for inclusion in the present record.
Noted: {"hour": 8, "minute": 15}
